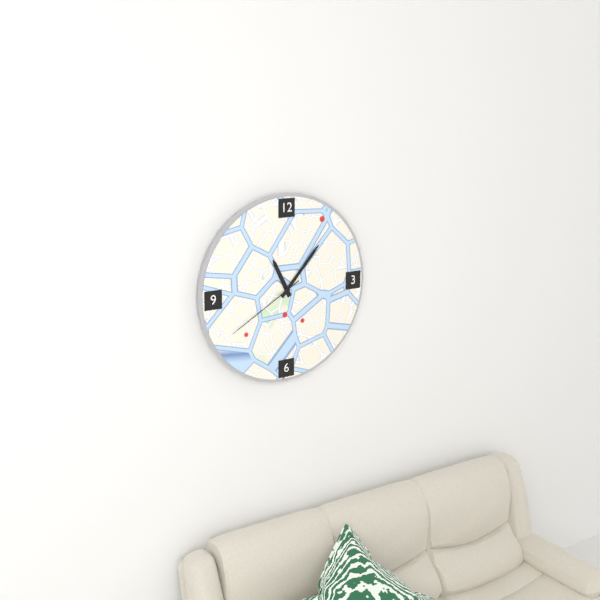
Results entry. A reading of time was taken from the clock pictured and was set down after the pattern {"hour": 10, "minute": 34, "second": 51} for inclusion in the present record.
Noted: {"hour": 11, "minute": 7, "second": 40}
